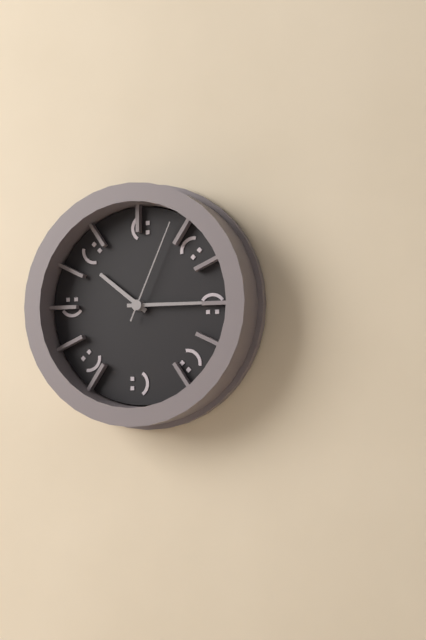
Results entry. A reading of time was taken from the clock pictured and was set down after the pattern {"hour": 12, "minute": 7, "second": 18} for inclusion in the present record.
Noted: {"hour": 10, "minute": 15, "second": 4}
